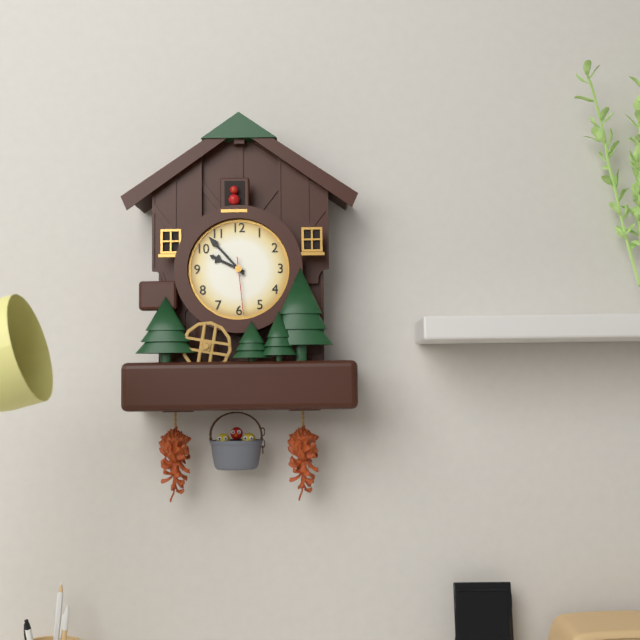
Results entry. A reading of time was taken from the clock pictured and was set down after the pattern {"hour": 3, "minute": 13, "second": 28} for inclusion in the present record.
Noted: {"hour": 9, "minute": 53, "second": 29}
